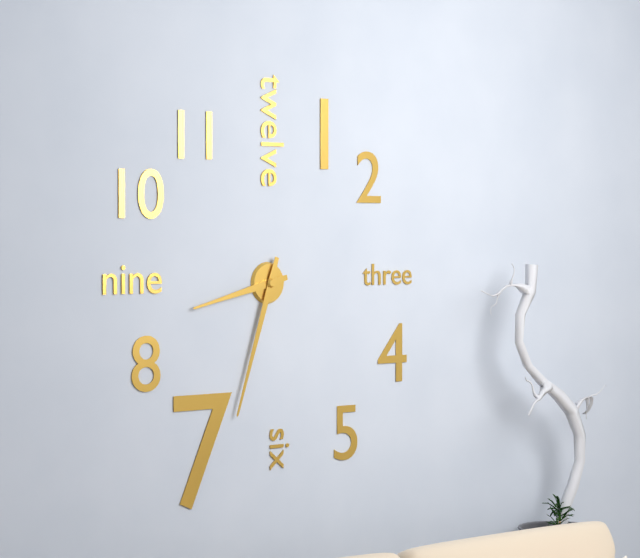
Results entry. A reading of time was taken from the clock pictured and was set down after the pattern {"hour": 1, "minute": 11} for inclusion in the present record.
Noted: {"hour": 8, "minute": 33}
